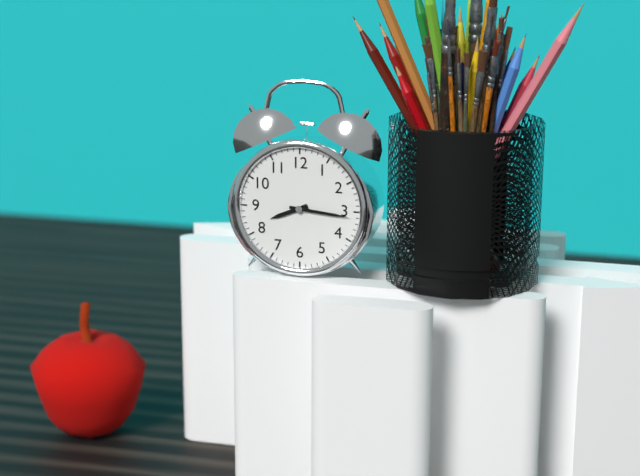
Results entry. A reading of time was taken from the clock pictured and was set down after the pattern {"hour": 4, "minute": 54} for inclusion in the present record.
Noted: {"hour": 8, "minute": 16}
